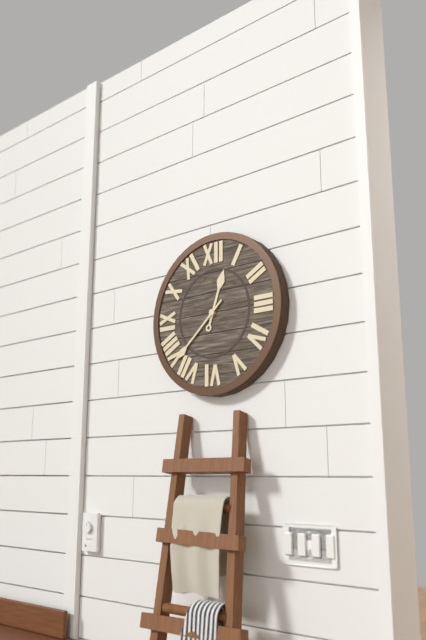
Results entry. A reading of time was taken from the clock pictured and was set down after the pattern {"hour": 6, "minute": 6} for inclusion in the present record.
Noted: {"hour": 12, "minute": 38}
